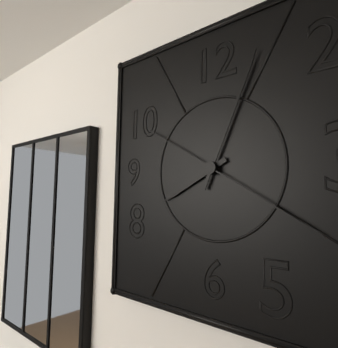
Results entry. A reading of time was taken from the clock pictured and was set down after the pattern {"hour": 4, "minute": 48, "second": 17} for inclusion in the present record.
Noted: {"hour": 8, "minute": 4, "second": 20}
